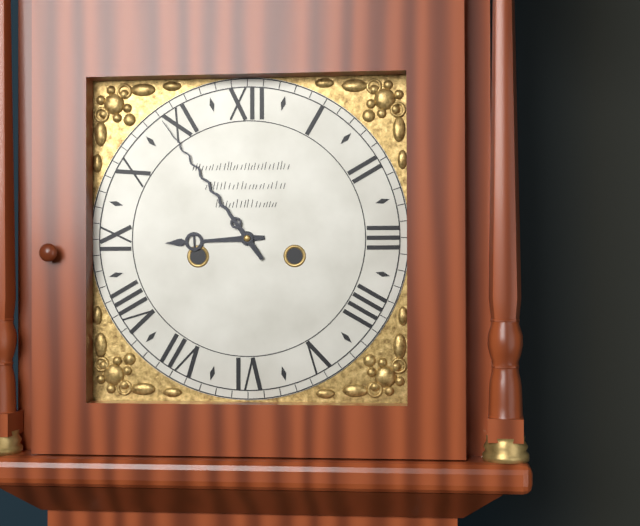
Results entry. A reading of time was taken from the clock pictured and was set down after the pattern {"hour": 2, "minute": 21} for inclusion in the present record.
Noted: {"hour": 8, "minute": 54}
